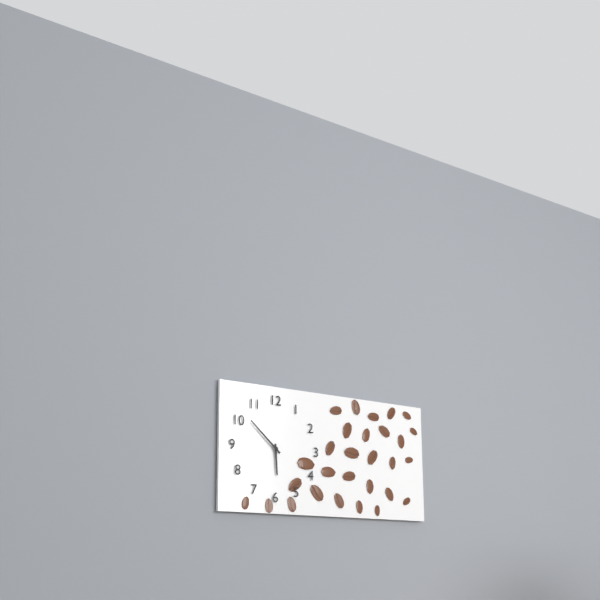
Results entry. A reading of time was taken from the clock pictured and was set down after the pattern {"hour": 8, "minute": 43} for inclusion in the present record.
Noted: {"hour": 5, "minute": 52}
